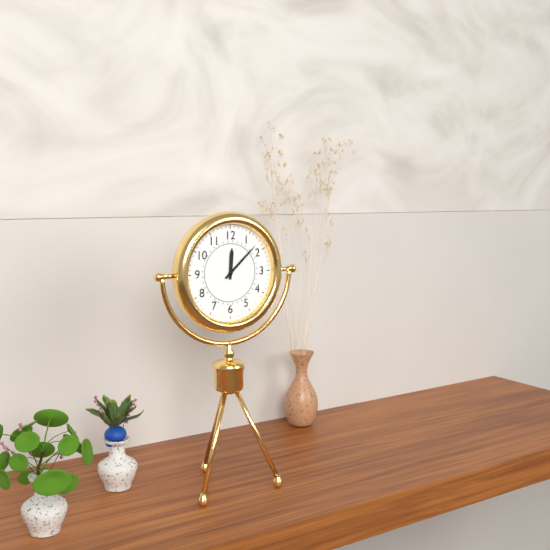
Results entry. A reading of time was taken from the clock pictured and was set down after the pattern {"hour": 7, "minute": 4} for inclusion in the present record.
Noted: {"hour": 12, "minute": 8}
